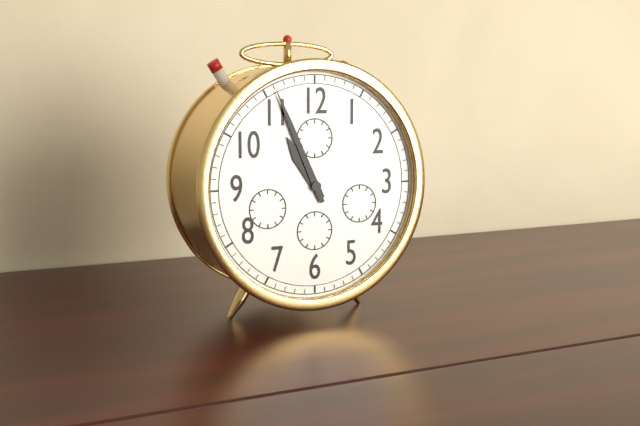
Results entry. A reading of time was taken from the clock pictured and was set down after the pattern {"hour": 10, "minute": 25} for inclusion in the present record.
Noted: {"hour": 10, "minute": 56}
